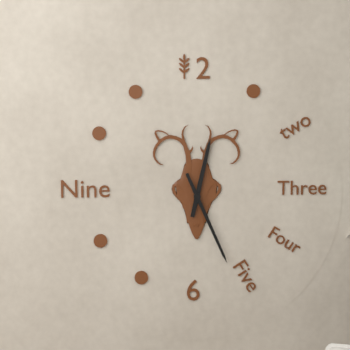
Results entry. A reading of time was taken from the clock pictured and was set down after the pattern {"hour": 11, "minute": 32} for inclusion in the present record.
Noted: {"hour": 12, "minute": 26}
